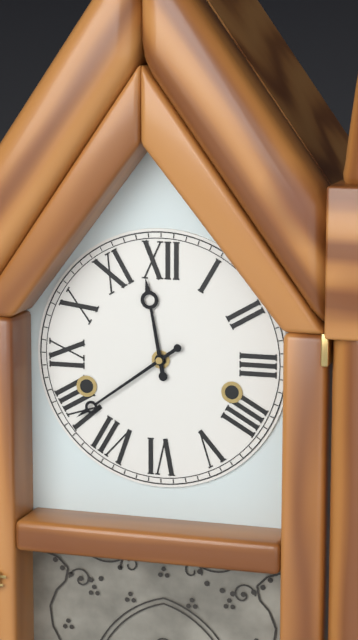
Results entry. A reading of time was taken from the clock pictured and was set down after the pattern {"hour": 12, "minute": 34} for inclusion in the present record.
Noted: {"hour": 11, "minute": 39}
